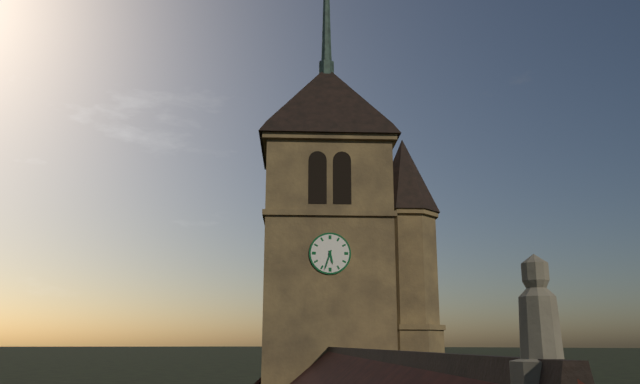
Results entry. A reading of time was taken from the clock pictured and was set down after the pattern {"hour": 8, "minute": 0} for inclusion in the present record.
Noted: {"hour": 5, "minute": 33}
